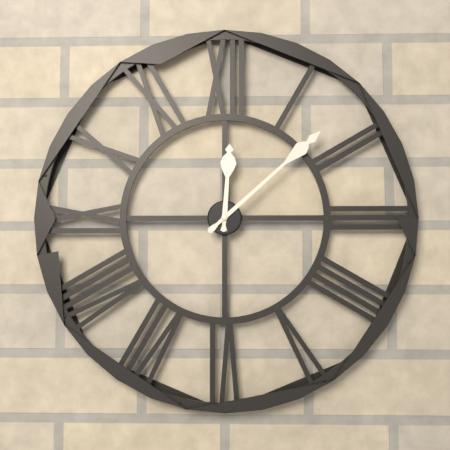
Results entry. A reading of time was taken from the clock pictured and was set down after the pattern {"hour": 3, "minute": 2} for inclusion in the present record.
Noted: {"hour": 12, "minute": 8}
